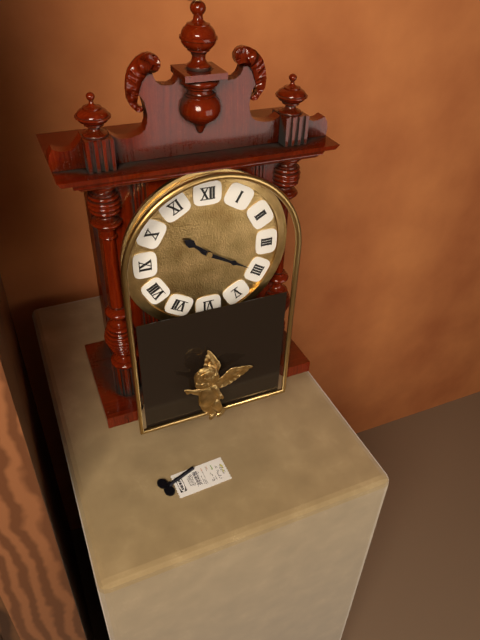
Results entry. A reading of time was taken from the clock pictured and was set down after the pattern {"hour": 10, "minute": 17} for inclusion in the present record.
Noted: {"hour": 10, "minute": 20}
